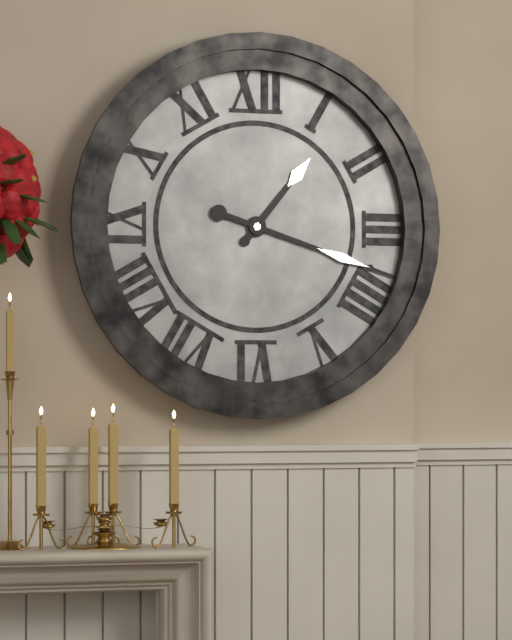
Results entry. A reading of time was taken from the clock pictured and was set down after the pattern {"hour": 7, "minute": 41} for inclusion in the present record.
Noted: {"hour": 1, "minute": 18}
